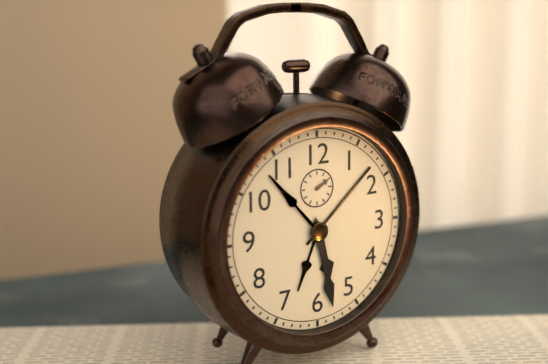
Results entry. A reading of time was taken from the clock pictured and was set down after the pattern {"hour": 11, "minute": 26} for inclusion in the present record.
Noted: {"hour": 5, "minute": 28}
